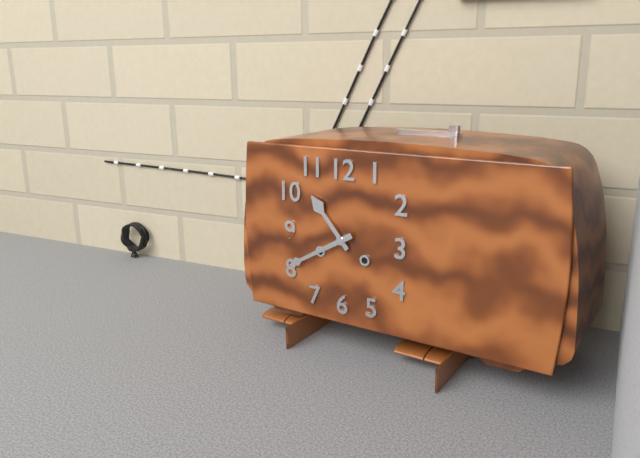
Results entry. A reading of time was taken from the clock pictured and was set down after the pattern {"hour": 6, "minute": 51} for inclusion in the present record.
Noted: {"hour": 10, "minute": 40}
